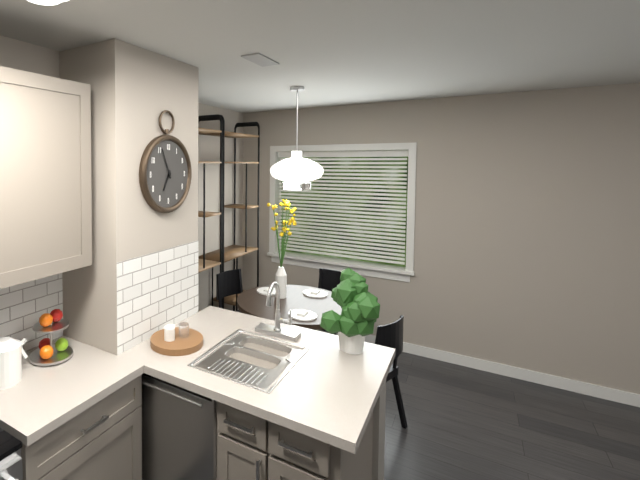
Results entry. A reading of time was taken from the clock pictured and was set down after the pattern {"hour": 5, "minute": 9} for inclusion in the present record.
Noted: {"hour": 6, "minute": 56}
